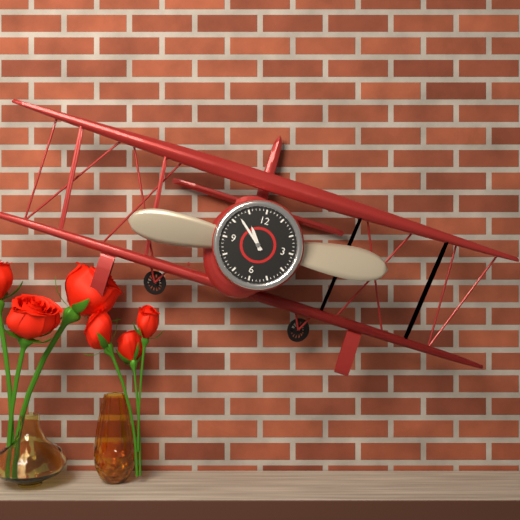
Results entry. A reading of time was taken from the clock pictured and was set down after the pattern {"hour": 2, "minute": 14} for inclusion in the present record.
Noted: {"hour": 10, "minute": 52}
